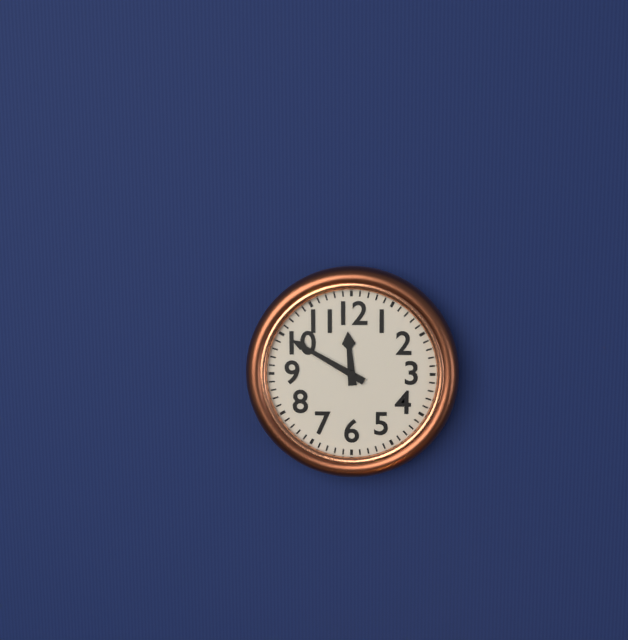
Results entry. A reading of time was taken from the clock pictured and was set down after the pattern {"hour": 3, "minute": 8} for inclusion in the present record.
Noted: {"hour": 11, "minute": 50}
